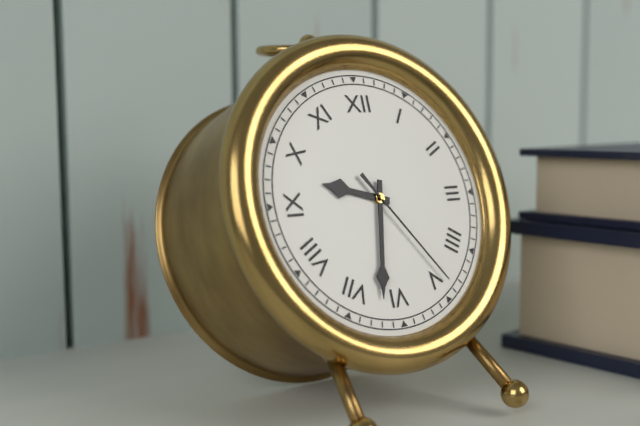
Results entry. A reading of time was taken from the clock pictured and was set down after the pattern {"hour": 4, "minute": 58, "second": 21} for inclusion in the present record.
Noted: {"hour": 9, "minute": 32, "second": 24}
